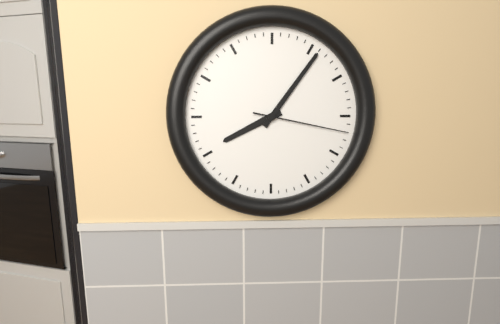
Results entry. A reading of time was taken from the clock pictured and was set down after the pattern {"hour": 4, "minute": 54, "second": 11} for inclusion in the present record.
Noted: {"hour": 8, "minute": 6, "second": 17}
